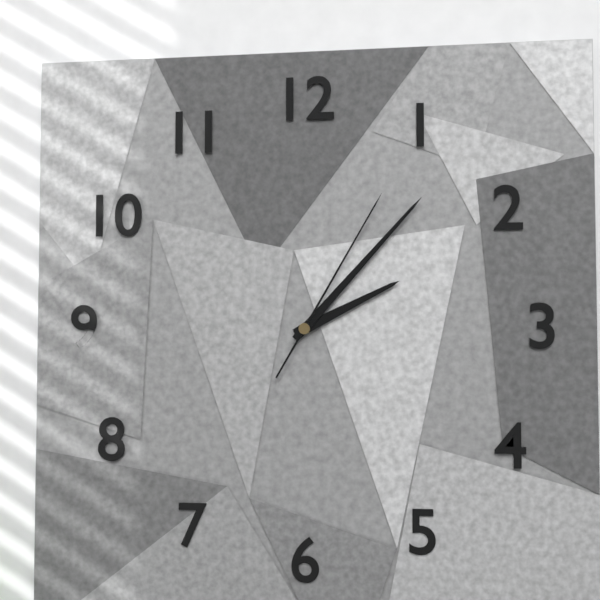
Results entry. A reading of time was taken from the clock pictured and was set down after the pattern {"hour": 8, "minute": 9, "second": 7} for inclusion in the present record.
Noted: {"hour": 2, "minute": 7, "second": 5}
